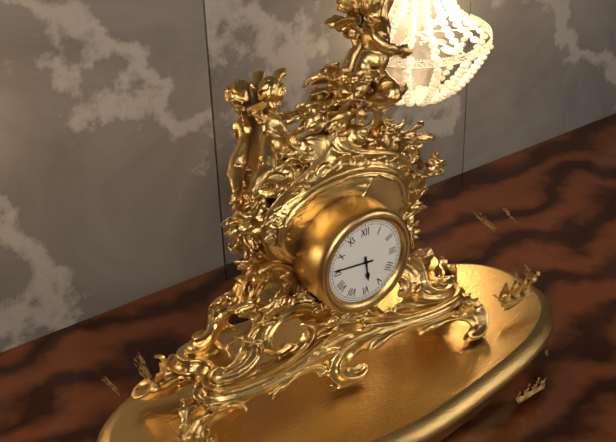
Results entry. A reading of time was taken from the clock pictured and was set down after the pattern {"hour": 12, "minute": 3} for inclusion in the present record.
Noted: {"hour": 5, "minute": 46}
